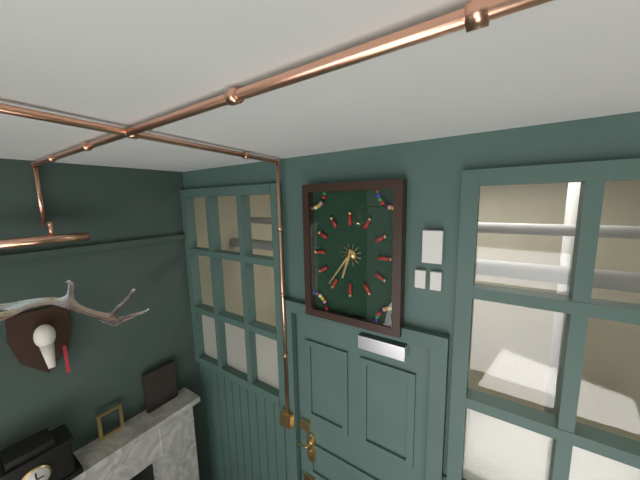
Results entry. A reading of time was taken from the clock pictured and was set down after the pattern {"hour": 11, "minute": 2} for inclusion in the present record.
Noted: {"hour": 6, "minute": 36}
